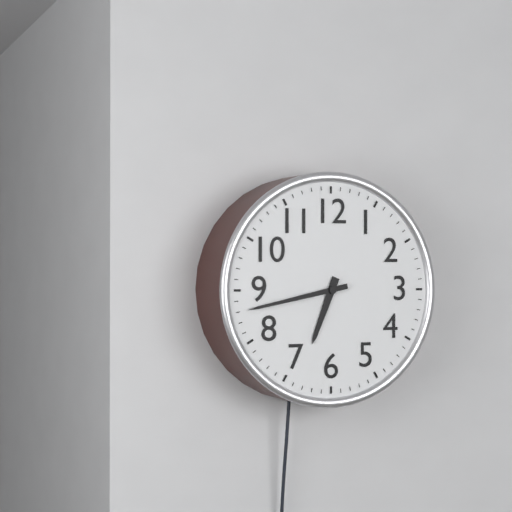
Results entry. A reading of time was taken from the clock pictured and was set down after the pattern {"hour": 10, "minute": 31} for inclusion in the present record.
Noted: {"hour": 6, "minute": 43}
